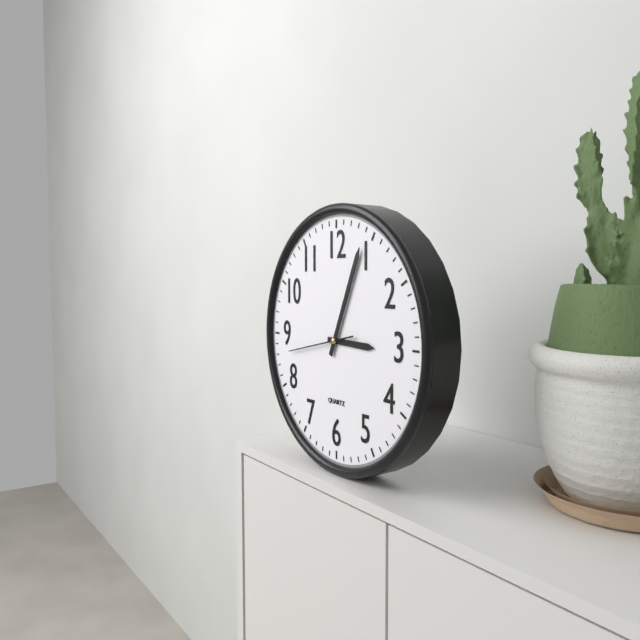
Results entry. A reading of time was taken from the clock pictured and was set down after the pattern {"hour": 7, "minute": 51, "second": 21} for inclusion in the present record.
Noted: {"hour": 3, "minute": 4, "second": 43}
